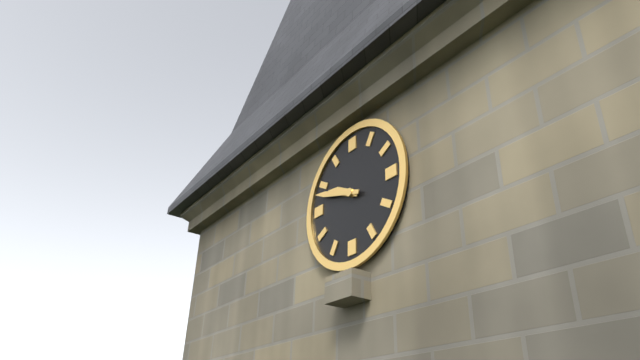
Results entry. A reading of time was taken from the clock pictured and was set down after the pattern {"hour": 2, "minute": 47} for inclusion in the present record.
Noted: {"hour": 9, "minute": 48}
